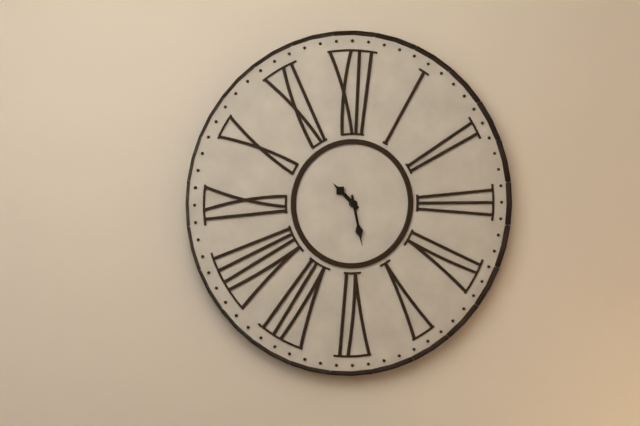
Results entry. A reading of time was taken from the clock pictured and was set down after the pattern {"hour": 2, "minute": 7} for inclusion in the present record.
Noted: {"hour": 10, "minute": 28}
